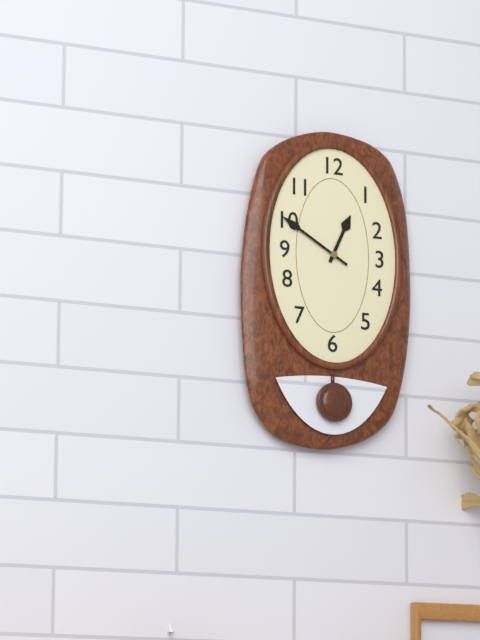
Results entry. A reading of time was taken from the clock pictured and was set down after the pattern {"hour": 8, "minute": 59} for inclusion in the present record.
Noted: {"hour": 12, "minute": 50}
